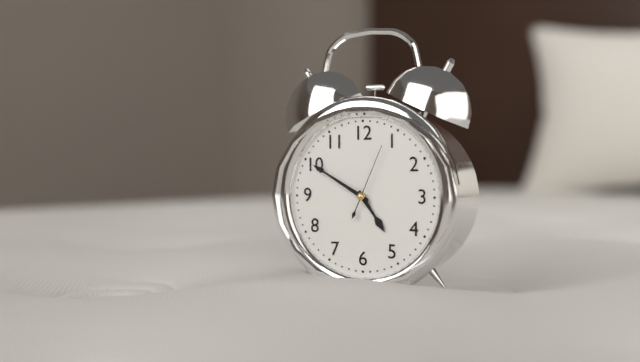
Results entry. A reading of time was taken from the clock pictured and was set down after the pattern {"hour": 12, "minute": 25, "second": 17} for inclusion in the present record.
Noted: {"hour": 4, "minute": 50, "second": 4}
